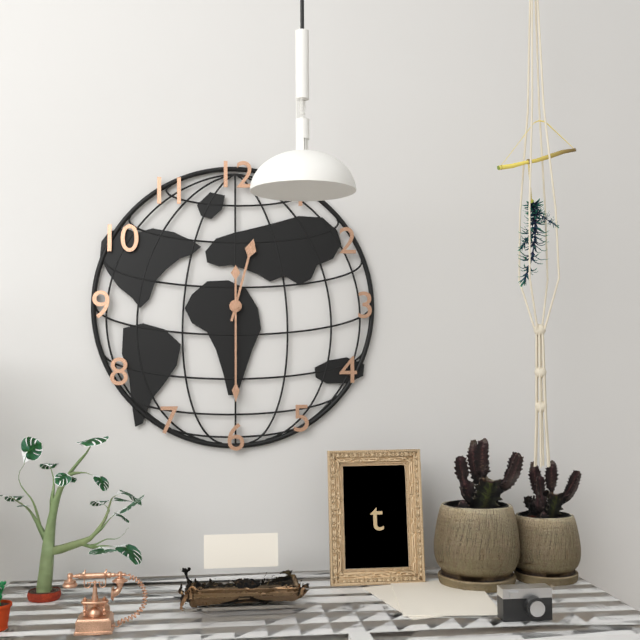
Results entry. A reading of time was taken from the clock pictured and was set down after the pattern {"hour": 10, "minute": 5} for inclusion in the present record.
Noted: {"hour": 12, "minute": 30}
